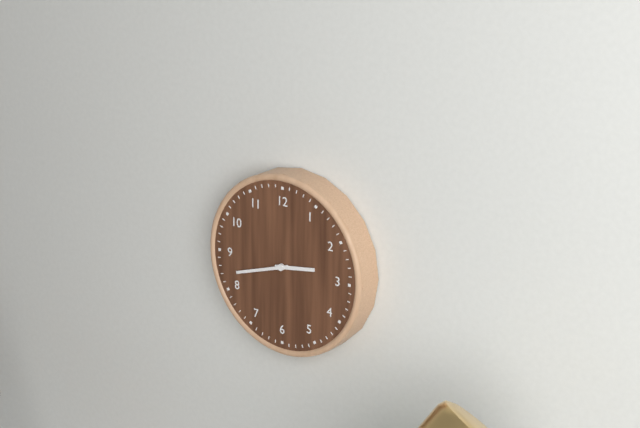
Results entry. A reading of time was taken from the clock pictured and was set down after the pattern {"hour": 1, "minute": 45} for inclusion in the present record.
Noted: {"hour": 2, "minute": 42}
